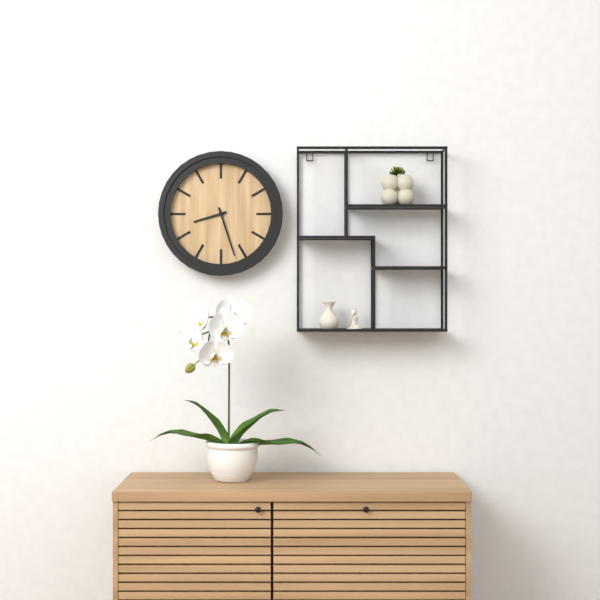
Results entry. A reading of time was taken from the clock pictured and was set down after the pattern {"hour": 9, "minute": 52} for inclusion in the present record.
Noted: {"hour": 8, "minute": 27}
